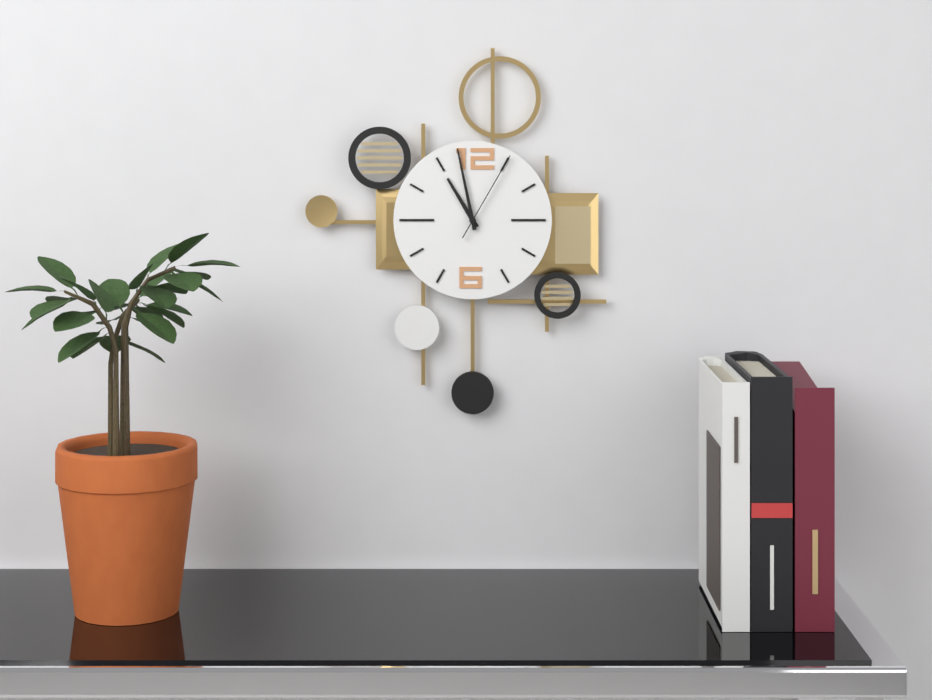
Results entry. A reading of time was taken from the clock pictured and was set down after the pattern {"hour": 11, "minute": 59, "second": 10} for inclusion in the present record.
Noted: {"hour": 10, "minute": 58, "second": 5}
